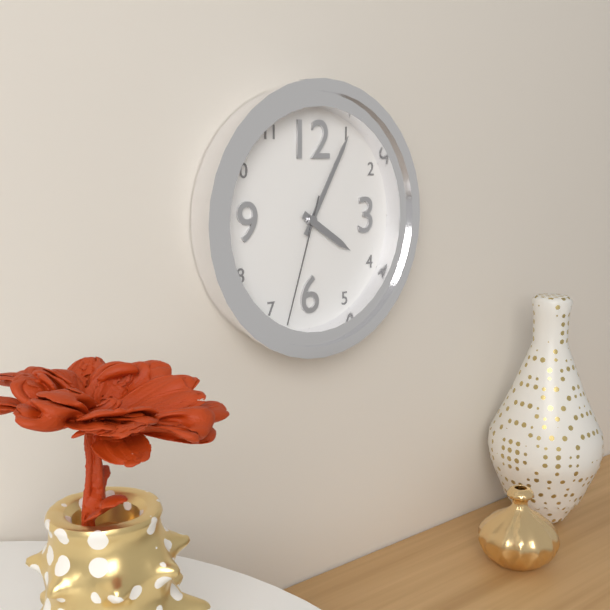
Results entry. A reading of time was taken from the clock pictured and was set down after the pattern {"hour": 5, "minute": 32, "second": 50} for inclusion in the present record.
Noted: {"hour": 4, "minute": 5, "second": 33}
